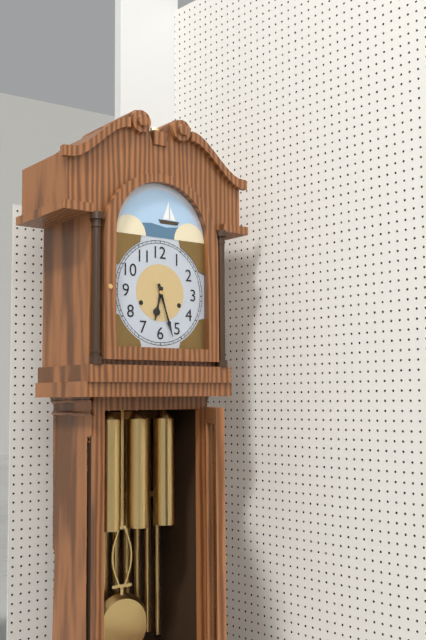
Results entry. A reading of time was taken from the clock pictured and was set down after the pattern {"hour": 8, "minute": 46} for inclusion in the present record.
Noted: {"hour": 6, "minute": 27}
